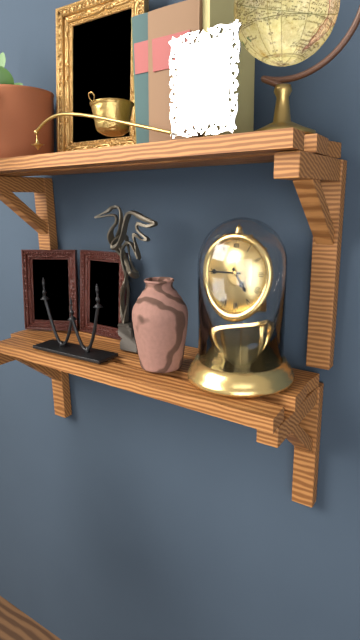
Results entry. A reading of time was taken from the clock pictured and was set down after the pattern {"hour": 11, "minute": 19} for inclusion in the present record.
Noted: {"hour": 4, "minute": 45}
